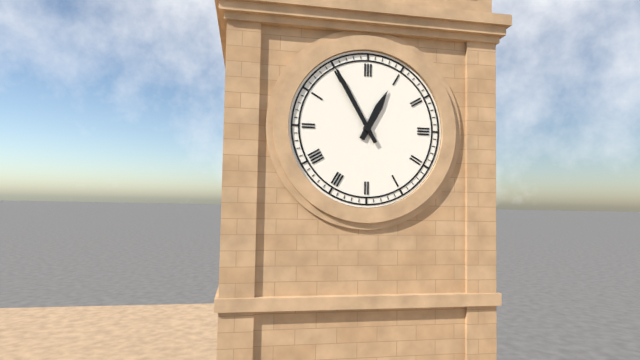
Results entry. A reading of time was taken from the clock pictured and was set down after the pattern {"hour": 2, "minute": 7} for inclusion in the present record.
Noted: {"hour": 12, "minute": 55}
